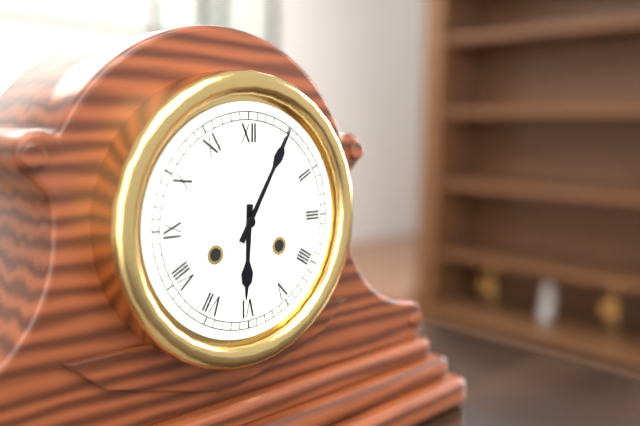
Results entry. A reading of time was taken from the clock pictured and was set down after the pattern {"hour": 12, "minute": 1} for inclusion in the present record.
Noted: {"hour": 6, "minute": 5}
